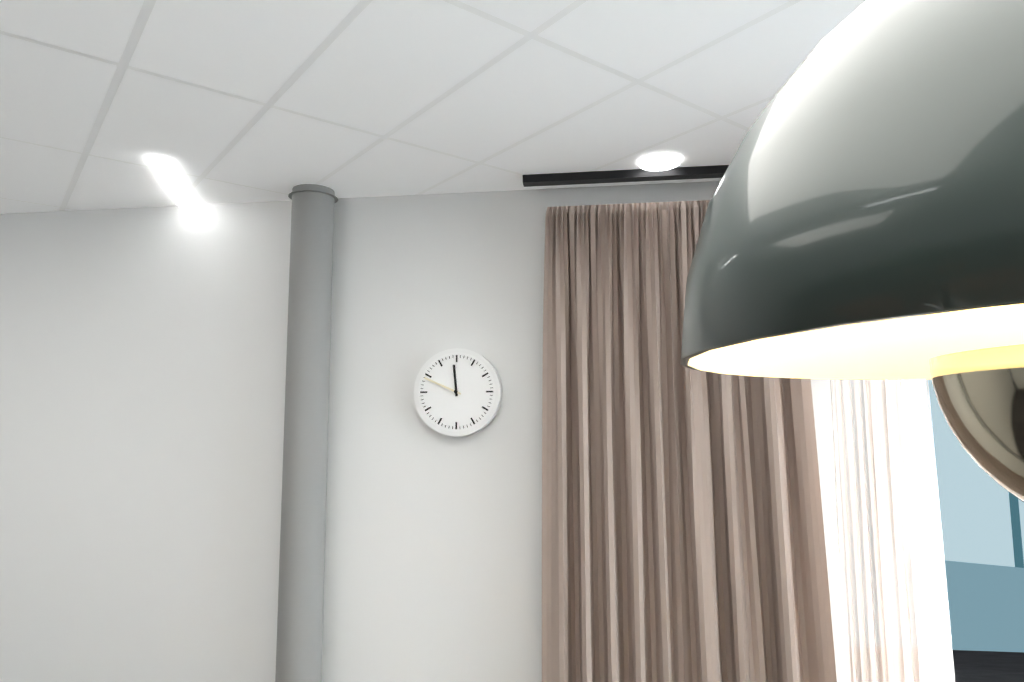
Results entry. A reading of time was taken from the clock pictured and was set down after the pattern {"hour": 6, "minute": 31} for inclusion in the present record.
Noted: {"hour": 11, "minute": 49}
